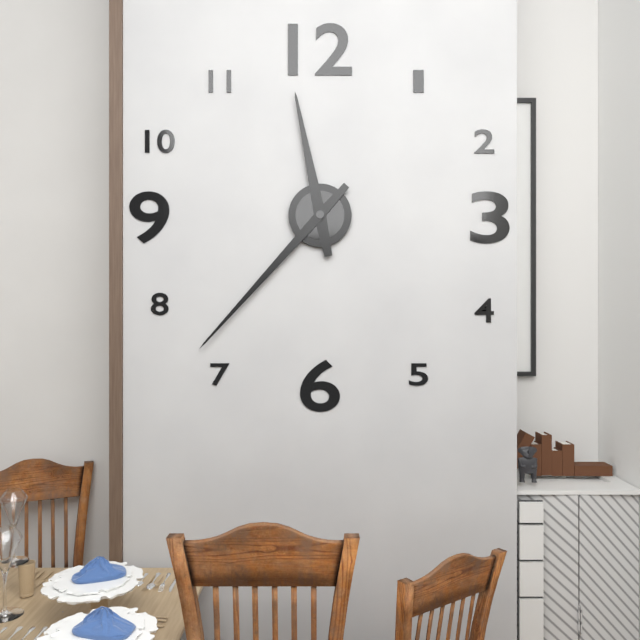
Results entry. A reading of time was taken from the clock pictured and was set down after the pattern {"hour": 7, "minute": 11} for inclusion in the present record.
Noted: {"hour": 11, "minute": 37}
